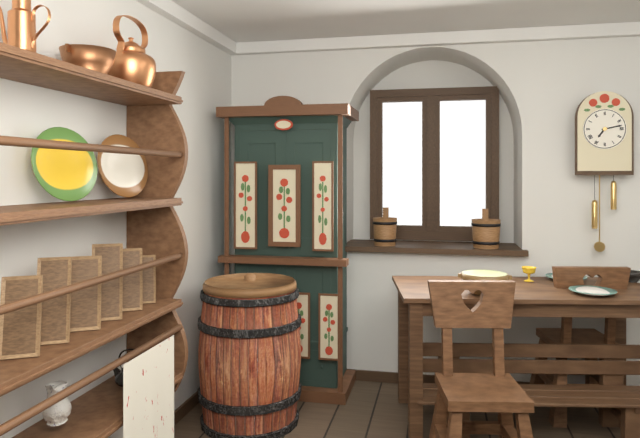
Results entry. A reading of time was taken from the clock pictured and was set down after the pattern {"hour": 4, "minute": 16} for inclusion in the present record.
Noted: {"hour": 7, "minute": 13}
